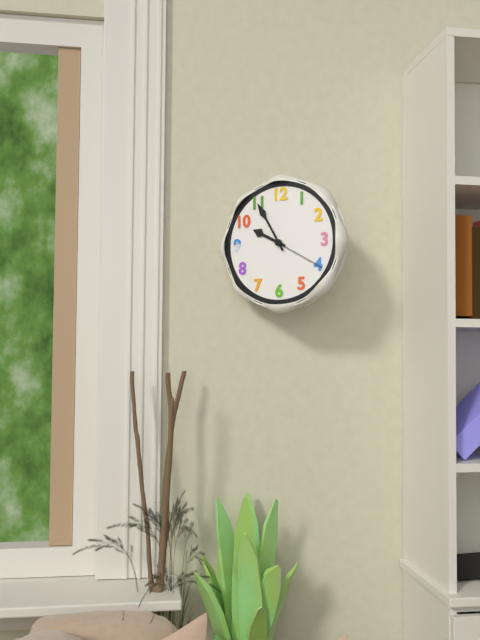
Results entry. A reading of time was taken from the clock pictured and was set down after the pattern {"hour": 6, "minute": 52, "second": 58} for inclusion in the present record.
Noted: {"hour": 9, "minute": 55, "second": 20}
